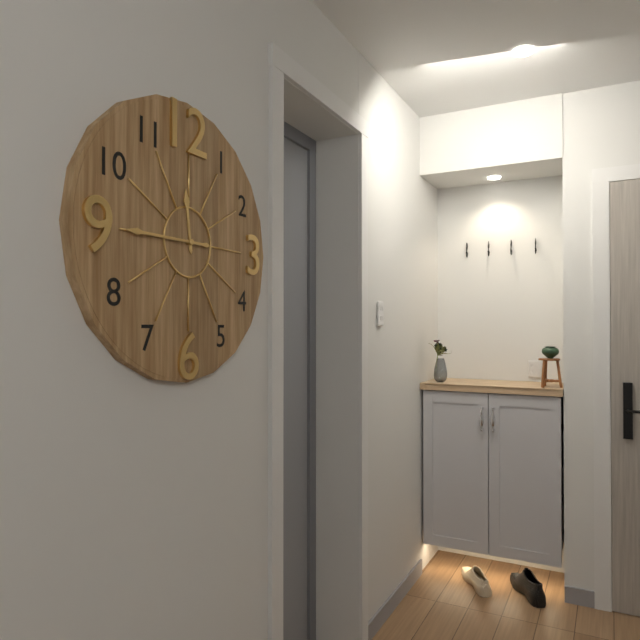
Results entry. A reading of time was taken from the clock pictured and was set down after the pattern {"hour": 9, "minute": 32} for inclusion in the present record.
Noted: {"hour": 11, "minute": 45}
